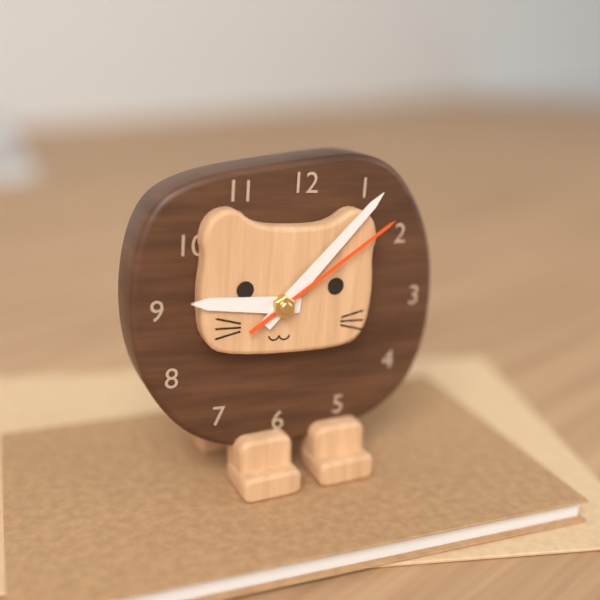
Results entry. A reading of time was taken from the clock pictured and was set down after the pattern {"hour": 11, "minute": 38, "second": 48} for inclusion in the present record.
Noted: {"hour": 9, "minute": 7, "second": 9}
